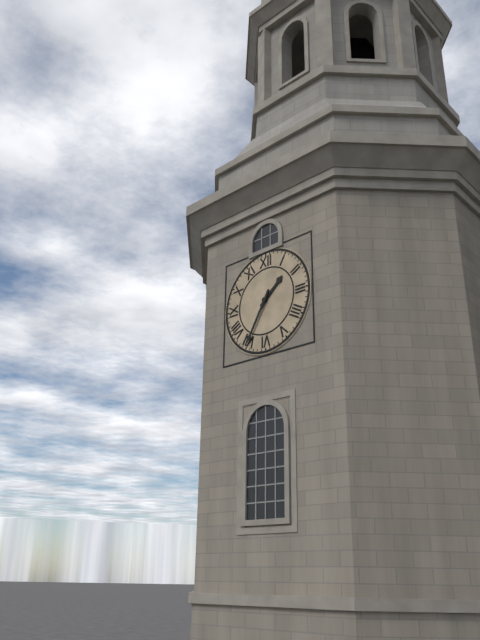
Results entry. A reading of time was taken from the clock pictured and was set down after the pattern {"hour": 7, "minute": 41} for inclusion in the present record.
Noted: {"hour": 1, "minute": 35}
